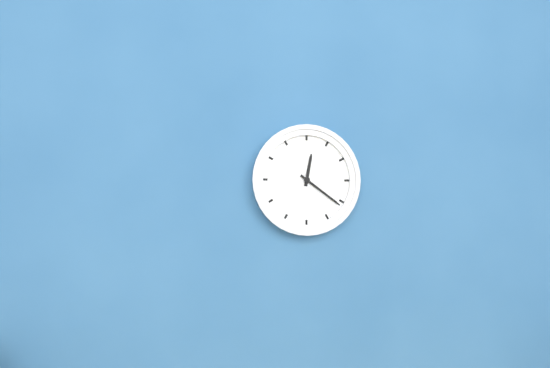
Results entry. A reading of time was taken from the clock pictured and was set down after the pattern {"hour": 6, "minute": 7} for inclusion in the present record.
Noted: {"hour": 12, "minute": 21}
